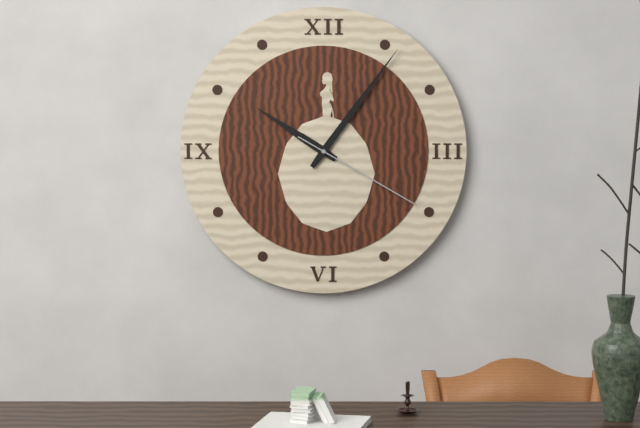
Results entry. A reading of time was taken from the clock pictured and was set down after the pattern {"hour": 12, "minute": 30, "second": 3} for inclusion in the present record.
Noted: {"hour": 10, "minute": 6, "second": 20}
